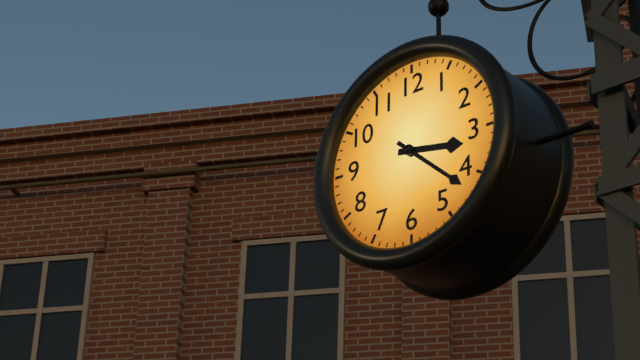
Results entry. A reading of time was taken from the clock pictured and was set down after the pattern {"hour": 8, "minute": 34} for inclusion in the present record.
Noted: {"hour": 3, "minute": 22}
